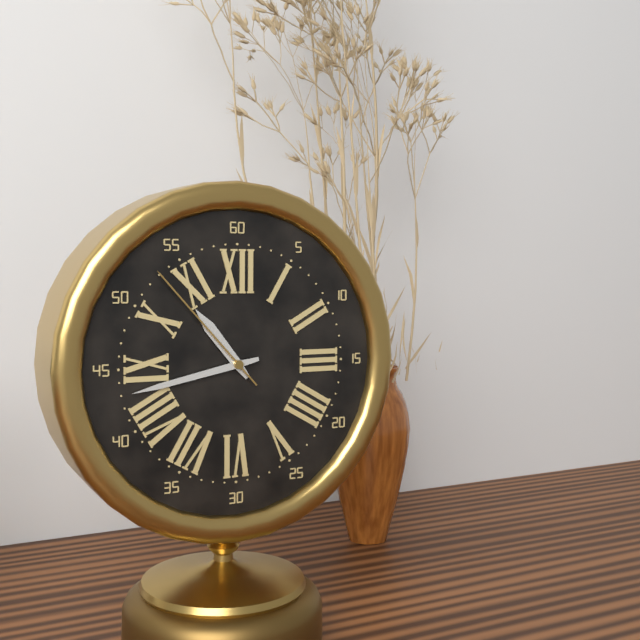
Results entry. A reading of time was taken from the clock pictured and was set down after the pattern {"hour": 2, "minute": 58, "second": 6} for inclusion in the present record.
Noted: {"hour": 10, "minute": 43, "second": 53}
